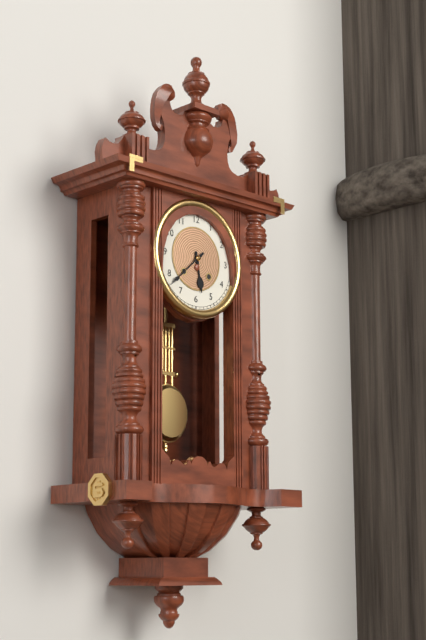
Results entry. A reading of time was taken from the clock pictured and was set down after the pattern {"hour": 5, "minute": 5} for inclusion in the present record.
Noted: {"hour": 5, "minute": 38}
